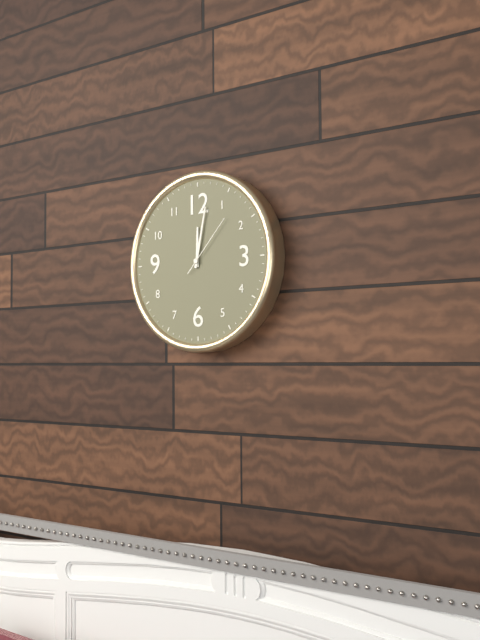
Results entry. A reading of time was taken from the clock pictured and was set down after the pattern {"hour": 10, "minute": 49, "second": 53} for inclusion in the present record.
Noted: {"hour": 12, "minute": 2, "second": 7}
